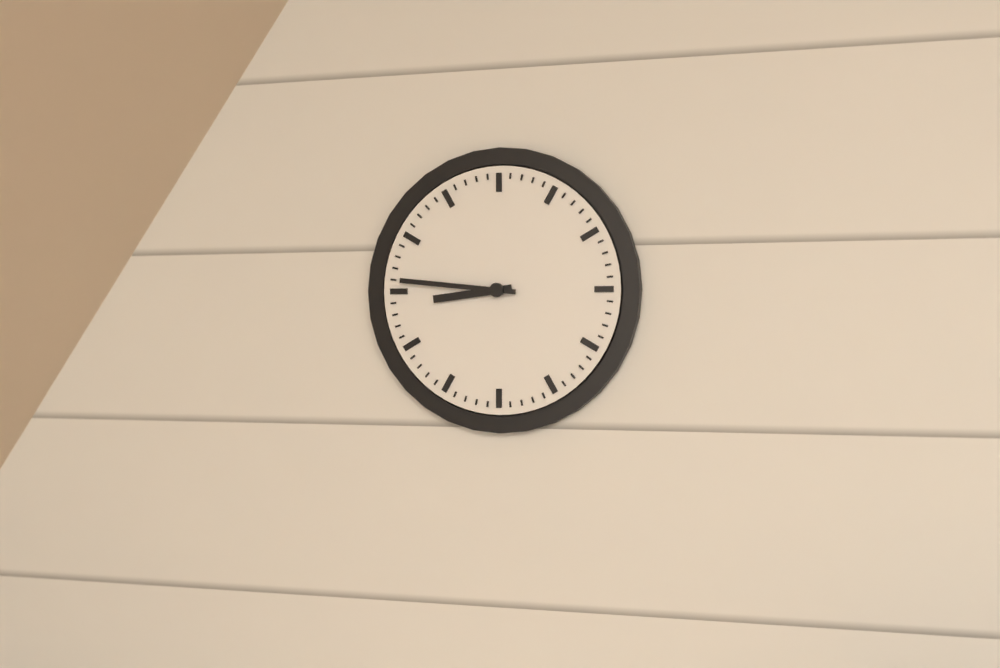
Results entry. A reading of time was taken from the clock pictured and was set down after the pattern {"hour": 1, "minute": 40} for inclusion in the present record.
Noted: {"hour": 8, "minute": 46}
